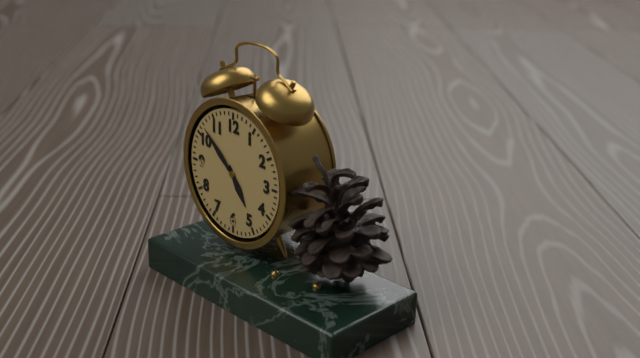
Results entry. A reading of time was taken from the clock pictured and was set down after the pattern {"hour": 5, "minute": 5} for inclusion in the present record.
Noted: {"hour": 4, "minute": 52}
